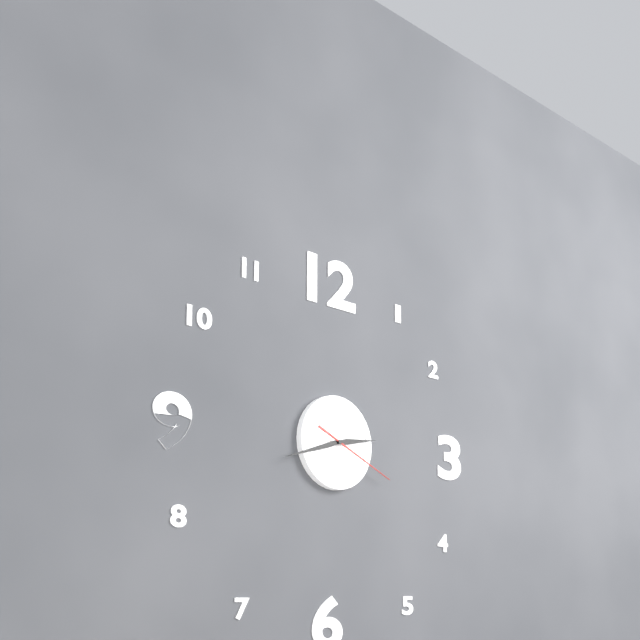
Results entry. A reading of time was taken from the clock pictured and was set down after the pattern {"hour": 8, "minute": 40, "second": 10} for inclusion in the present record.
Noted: {"hour": 2, "minute": 42, "second": 19}
